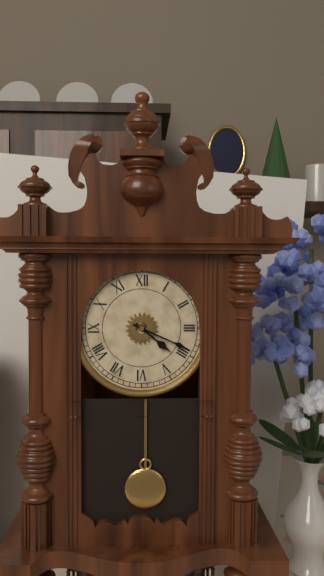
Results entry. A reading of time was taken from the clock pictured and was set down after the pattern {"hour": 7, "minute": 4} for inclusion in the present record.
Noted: {"hour": 4, "minute": 19}
